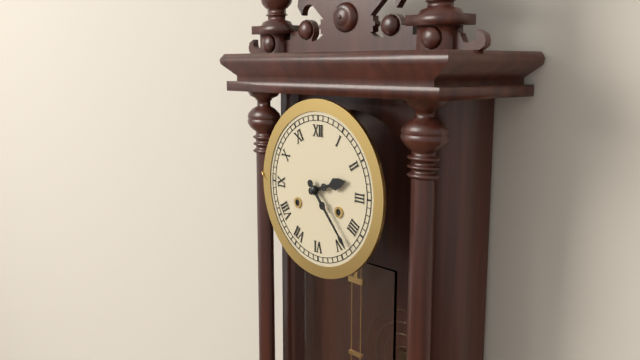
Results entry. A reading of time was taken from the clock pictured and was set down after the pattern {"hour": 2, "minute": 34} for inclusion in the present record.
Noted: {"hour": 2, "minute": 23}
